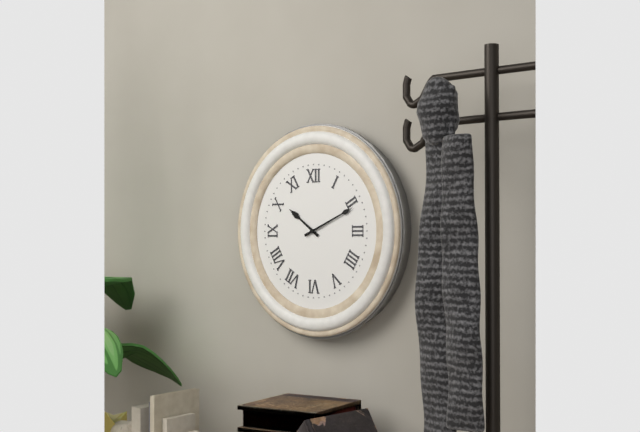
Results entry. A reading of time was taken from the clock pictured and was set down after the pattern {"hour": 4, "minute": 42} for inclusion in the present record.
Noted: {"hour": 10, "minute": 11}
